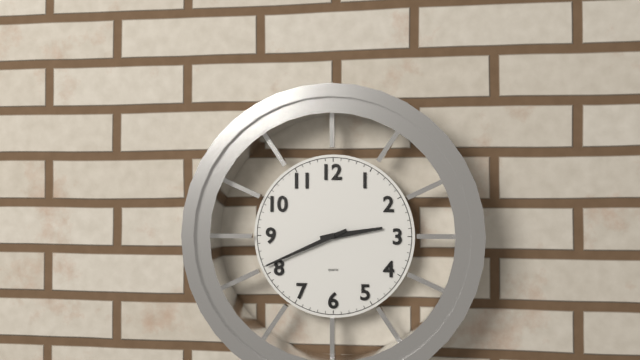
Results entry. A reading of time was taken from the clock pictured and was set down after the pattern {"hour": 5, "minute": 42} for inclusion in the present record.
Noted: {"hour": 2, "minute": 41}
